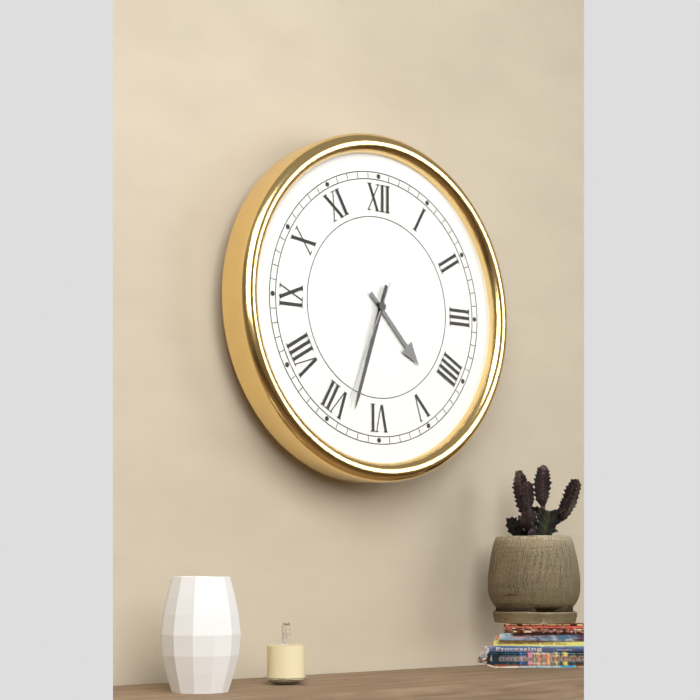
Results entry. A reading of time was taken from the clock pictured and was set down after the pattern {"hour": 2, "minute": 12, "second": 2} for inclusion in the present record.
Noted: {"hour": 4, "minute": 33, "second": 34}
